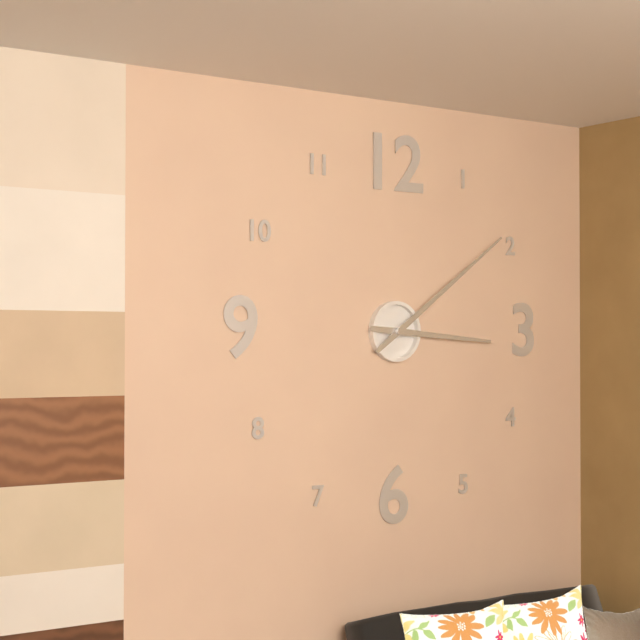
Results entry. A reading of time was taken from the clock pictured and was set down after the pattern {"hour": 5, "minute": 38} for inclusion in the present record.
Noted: {"hour": 3, "minute": 9}
